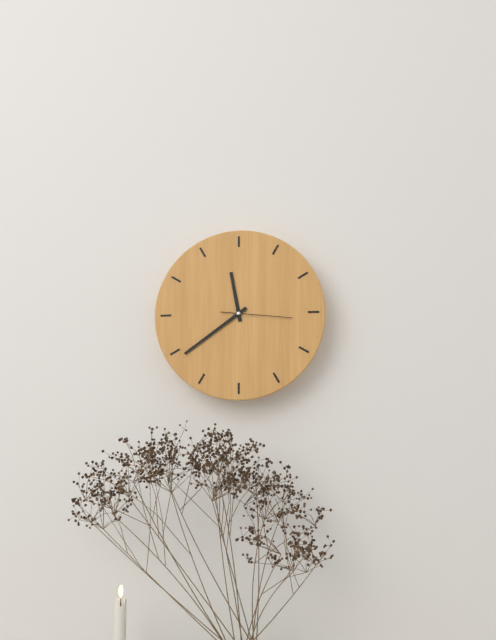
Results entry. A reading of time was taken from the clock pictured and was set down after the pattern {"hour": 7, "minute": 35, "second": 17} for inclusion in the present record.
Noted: {"hour": 11, "minute": 39, "second": 16}
